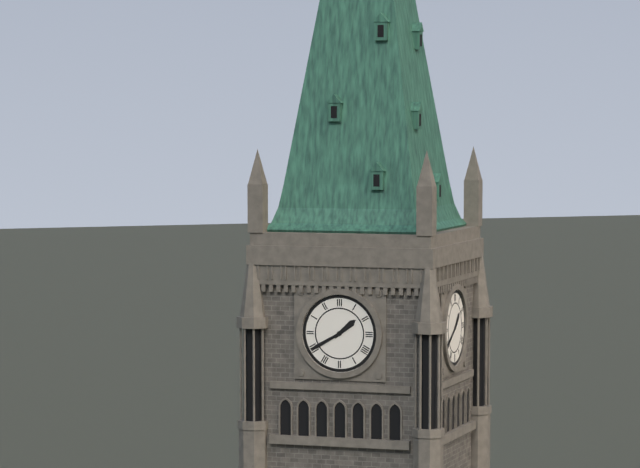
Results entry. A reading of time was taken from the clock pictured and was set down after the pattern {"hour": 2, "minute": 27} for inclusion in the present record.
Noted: {"hour": 1, "minute": 40}
